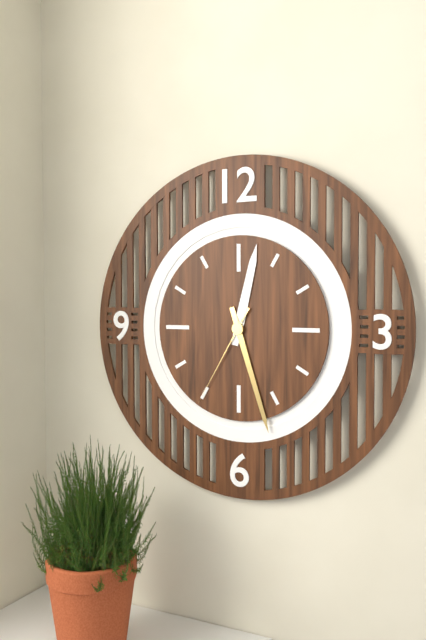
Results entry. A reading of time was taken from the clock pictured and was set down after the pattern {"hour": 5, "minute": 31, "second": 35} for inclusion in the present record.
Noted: {"hour": 12, "minute": 27, "second": 35}
